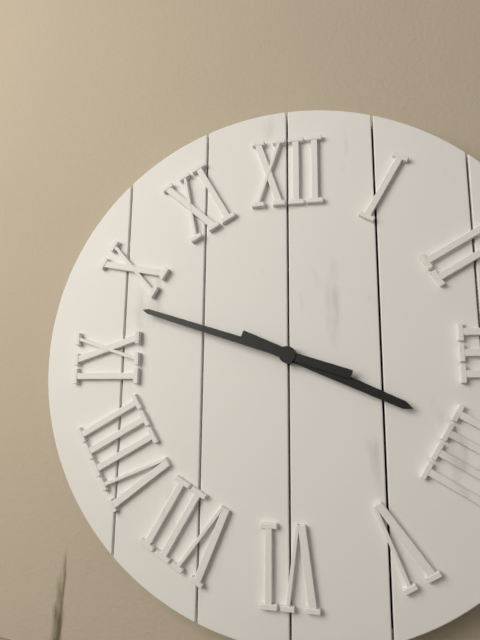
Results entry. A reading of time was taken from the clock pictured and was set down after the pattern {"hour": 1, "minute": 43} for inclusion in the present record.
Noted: {"hour": 3, "minute": 48}
